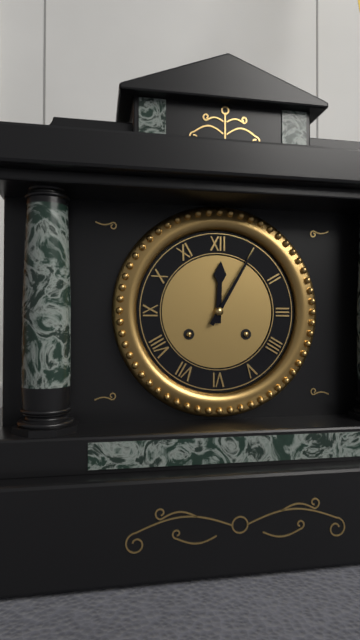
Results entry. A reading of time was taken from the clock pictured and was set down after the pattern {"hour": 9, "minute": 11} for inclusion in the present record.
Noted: {"hour": 12, "minute": 5}
